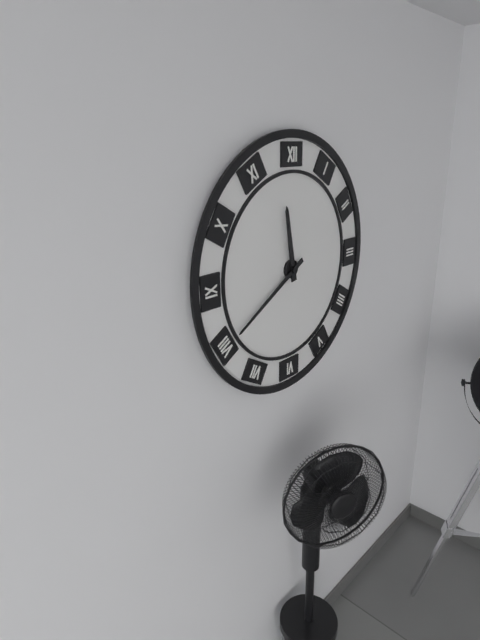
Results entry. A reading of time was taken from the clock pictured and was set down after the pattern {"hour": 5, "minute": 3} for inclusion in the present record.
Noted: {"hour": 11, "minute": 40}
